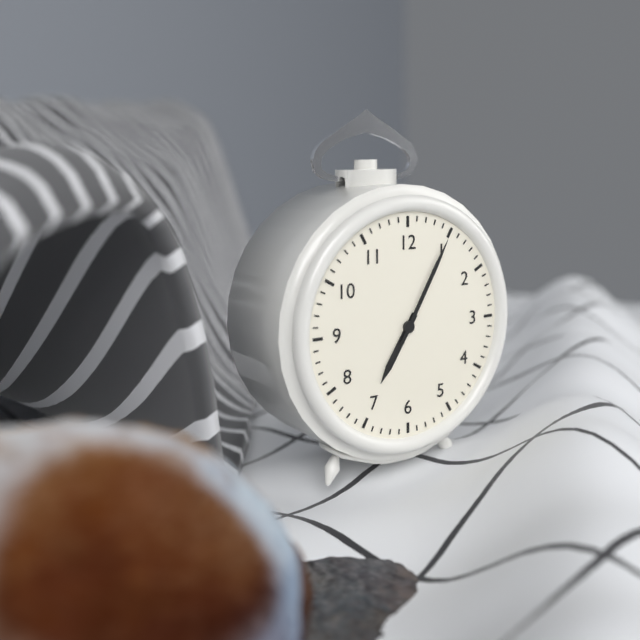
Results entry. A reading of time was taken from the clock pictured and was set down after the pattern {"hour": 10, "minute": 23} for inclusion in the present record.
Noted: {"hour": 7, "minute": 5}
